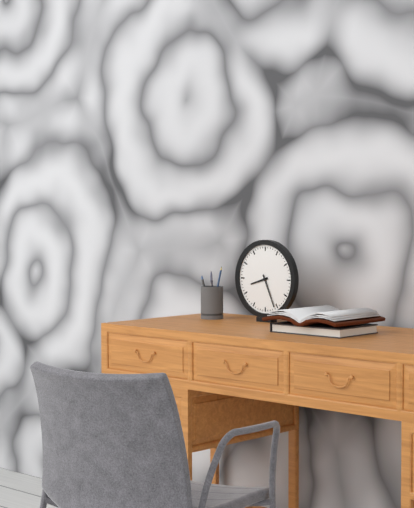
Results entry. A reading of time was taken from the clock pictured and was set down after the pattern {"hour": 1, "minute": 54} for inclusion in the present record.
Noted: {"hour": 8, "minute": 26}
